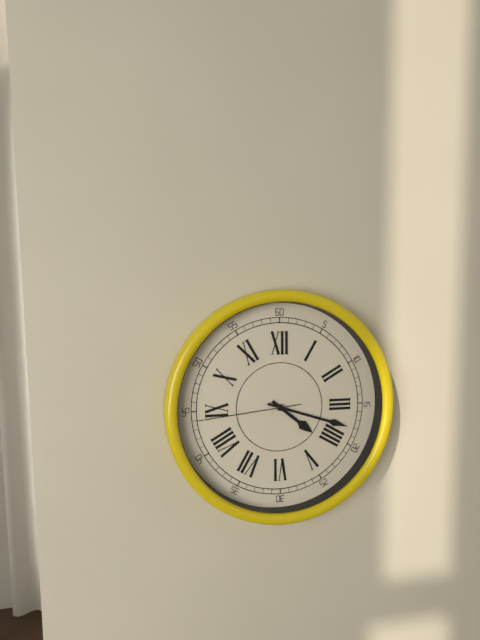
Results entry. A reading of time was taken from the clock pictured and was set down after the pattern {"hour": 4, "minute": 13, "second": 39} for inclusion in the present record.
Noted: {"hour": 4, "minute": 18, "second": 44}
